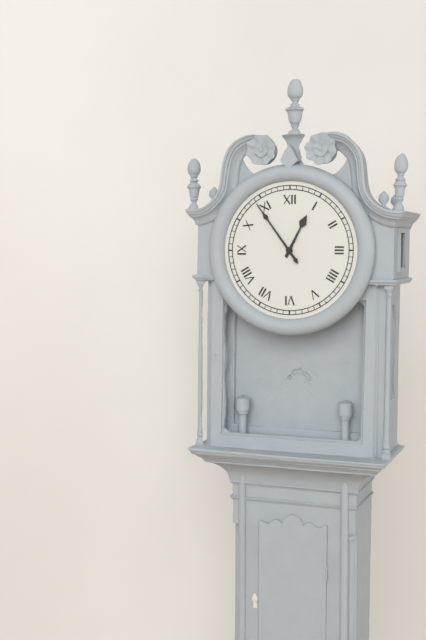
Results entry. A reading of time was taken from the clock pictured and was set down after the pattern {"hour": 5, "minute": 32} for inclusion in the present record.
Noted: {"hour": 12, "minute": 54}
